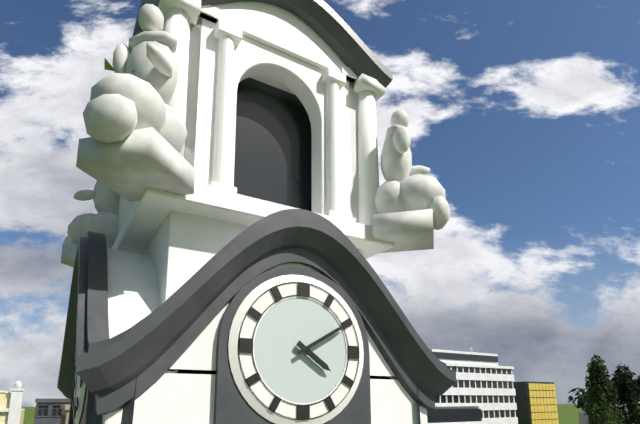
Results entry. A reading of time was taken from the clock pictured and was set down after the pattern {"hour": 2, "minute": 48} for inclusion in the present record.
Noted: {"hour": 4, "minute": 10}
